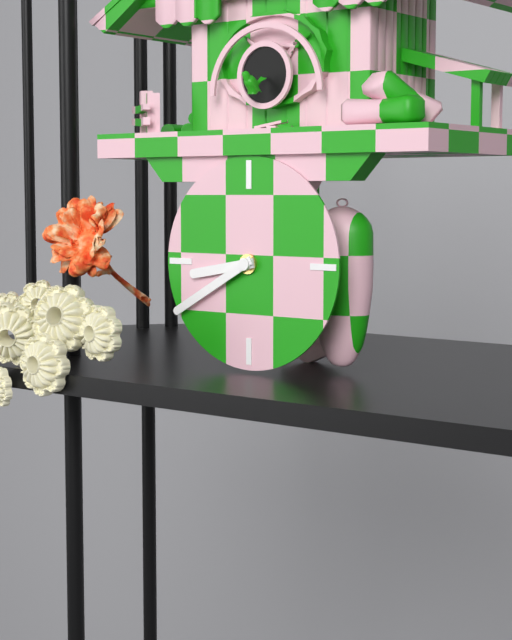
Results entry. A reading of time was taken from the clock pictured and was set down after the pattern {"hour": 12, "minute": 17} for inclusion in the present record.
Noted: {"hour": 8, "minute": 40}
